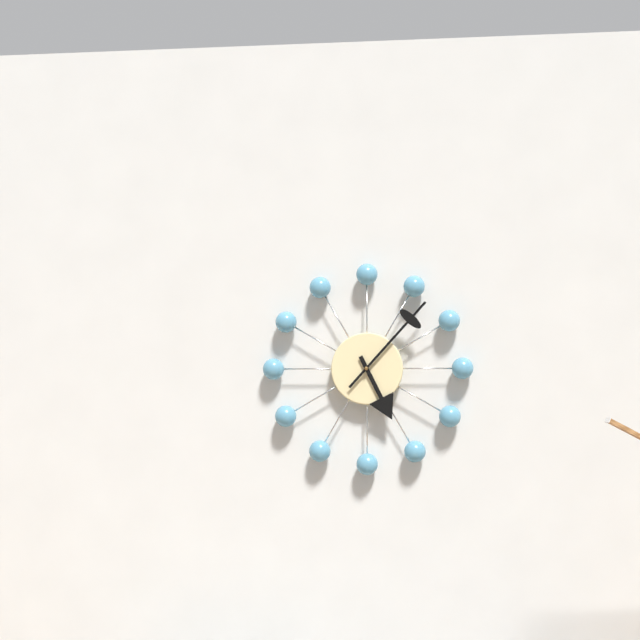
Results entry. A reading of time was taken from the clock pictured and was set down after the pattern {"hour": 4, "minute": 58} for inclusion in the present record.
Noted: {"hour": 5, "minute": 7}
